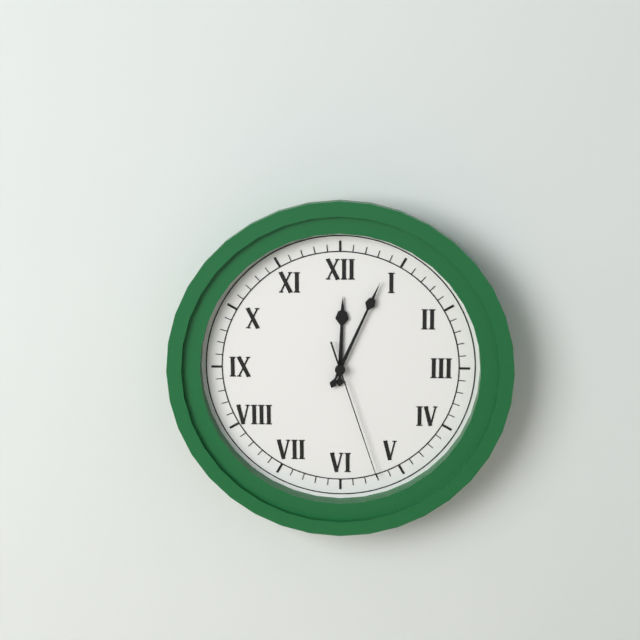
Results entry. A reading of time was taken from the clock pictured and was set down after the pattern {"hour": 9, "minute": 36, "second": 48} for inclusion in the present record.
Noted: {"hour": 12, "minute": 4, "second": 27}
